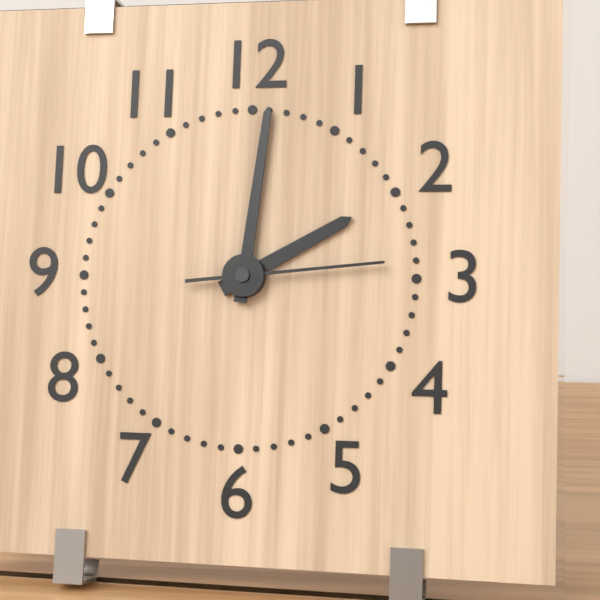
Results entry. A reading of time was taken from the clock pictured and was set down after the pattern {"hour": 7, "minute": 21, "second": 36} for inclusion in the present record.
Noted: {"hour": 2, "minute": 1, "second": 14}
